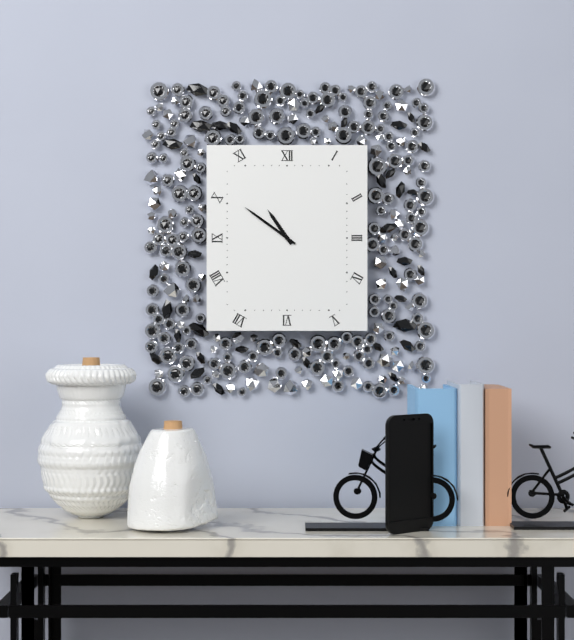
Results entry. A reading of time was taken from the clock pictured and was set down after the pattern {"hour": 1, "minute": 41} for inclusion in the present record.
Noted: {"hour": 10, "minute": 51}
